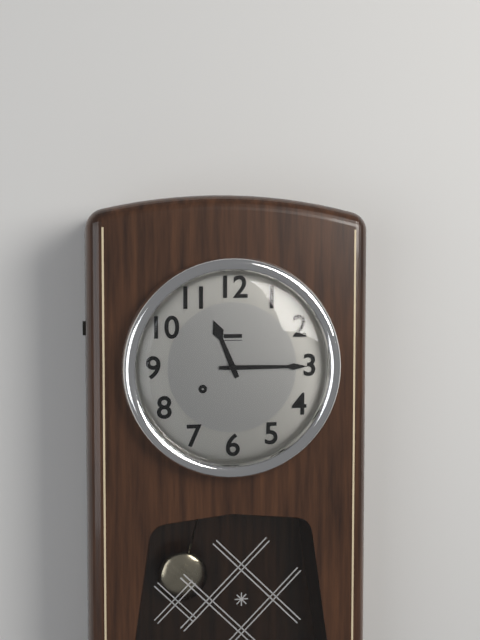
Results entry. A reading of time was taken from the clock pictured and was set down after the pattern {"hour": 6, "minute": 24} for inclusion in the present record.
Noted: {"hour": 11, "minute": 15}
